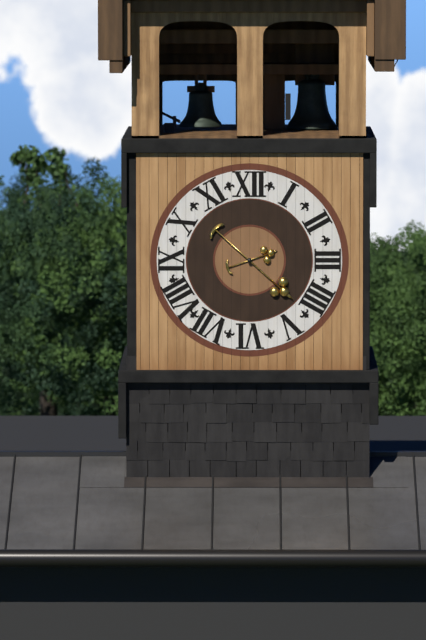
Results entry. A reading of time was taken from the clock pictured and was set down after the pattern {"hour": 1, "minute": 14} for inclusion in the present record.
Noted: {"hour": 2, "minute": 22}
